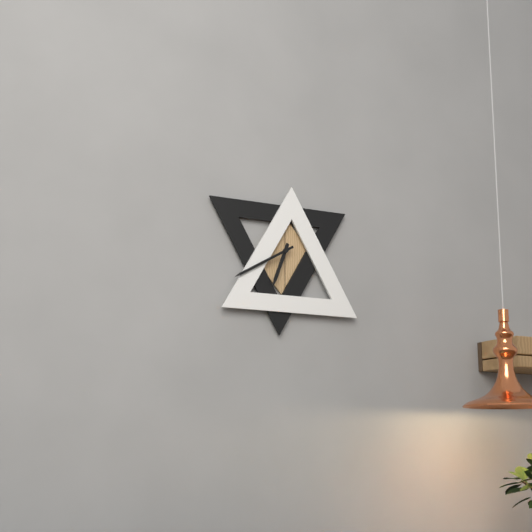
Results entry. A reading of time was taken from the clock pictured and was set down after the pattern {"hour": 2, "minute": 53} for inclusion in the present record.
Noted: {"hour": 6, "minute": 40}
